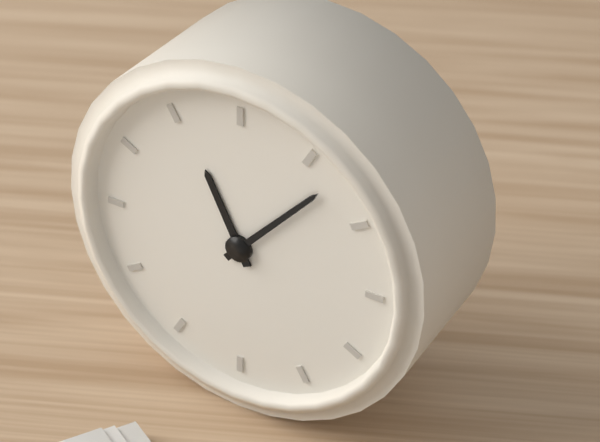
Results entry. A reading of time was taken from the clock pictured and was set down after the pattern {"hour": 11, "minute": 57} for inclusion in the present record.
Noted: {"hour": 11, "minute": 7}
